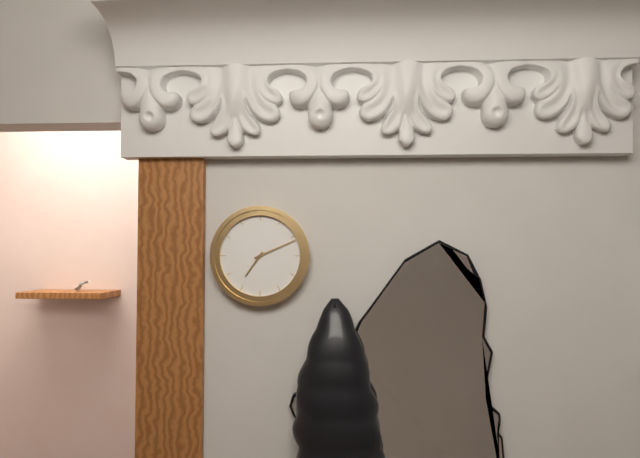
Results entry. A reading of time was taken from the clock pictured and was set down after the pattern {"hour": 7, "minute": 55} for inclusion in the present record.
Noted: {"hour": 7, "minute": 11}
